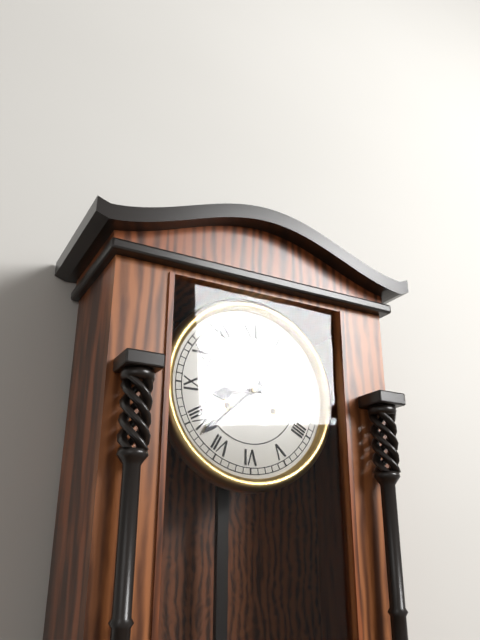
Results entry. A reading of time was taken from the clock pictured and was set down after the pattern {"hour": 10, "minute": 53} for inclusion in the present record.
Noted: {"hour": 8, "minute": 38}
